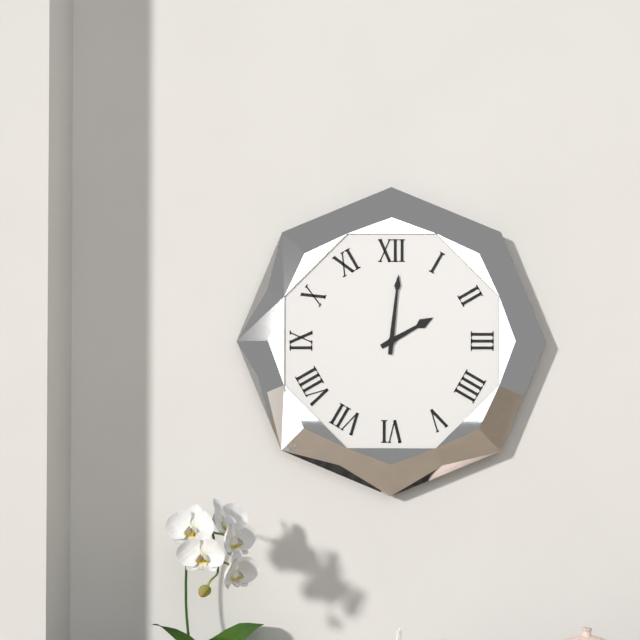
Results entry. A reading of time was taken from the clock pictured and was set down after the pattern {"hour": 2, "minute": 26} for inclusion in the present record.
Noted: {"hour": 2, "minute": 1}
